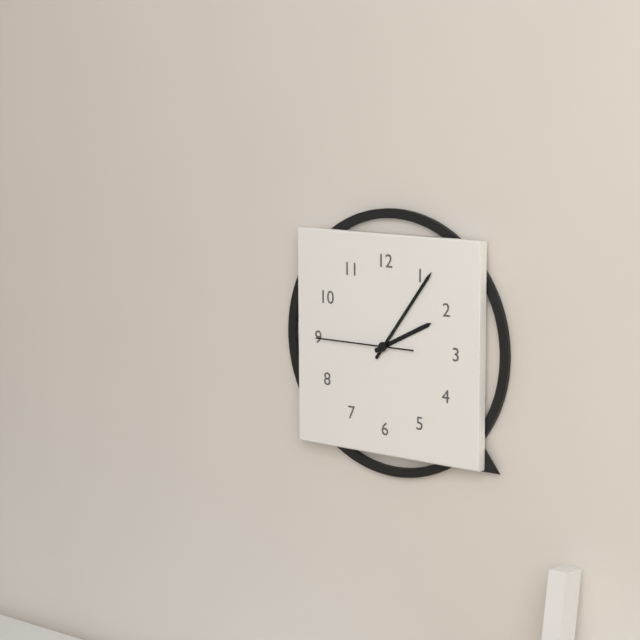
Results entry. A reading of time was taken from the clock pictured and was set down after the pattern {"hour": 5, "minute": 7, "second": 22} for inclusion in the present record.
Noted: {"hour": 2, "minute": 6, "second": 45}
